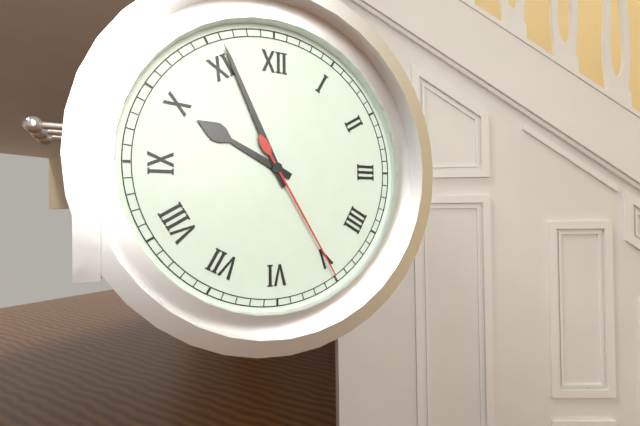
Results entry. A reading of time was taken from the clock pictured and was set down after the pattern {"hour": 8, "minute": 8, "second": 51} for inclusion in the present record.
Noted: {"hour": 9, "minute": 56, "second": 25}
